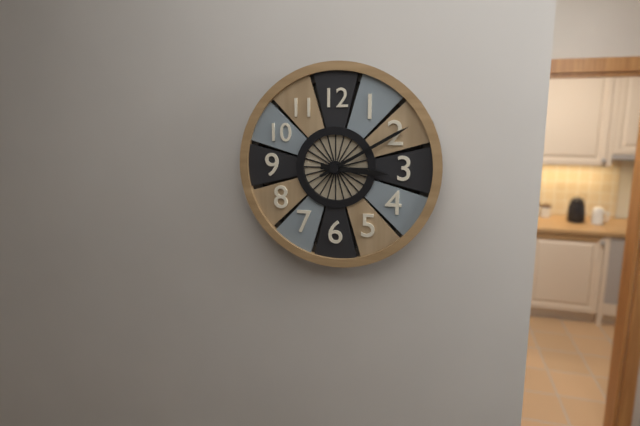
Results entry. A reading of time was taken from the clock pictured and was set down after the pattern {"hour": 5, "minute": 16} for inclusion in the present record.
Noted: {"hour": 3, "minute": 10}
